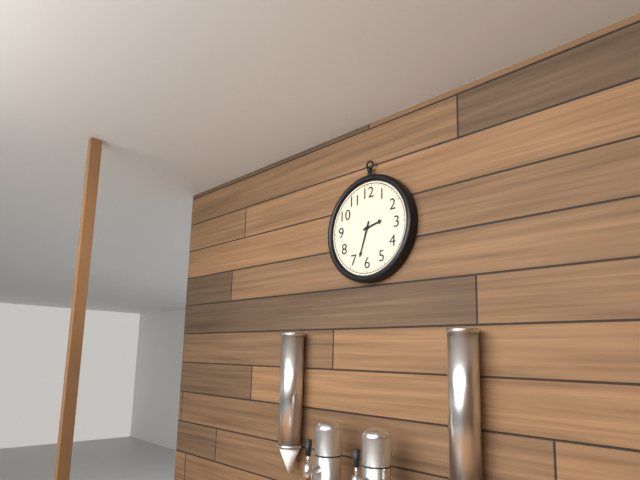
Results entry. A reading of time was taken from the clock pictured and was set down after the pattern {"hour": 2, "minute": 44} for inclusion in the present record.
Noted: {"hour": 2, "minute": 33}
